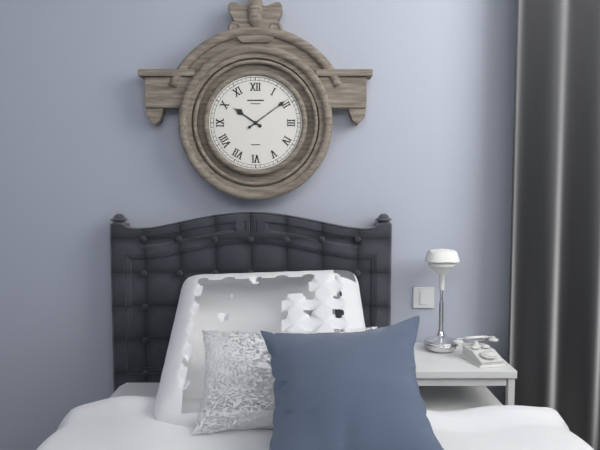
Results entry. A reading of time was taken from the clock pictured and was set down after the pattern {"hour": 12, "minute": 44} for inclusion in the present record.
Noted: {"hour": 10, "minute": 9}
